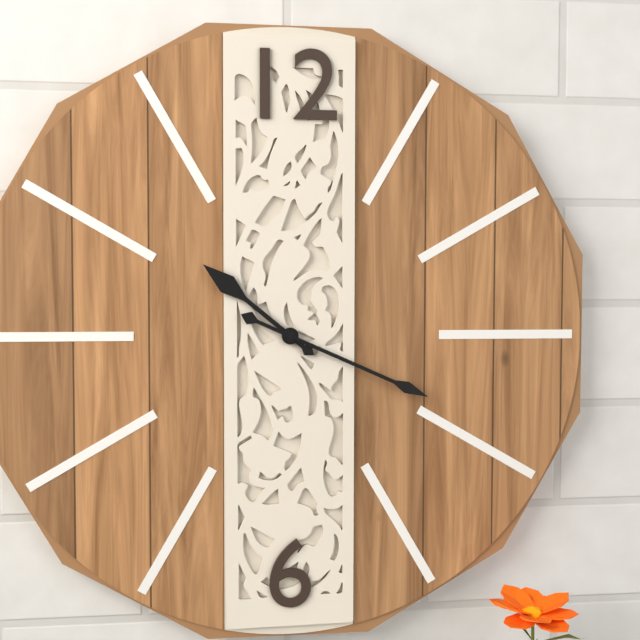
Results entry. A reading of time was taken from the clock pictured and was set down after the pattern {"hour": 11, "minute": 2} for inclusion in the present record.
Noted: {"hour": 10, "minute": 19}
